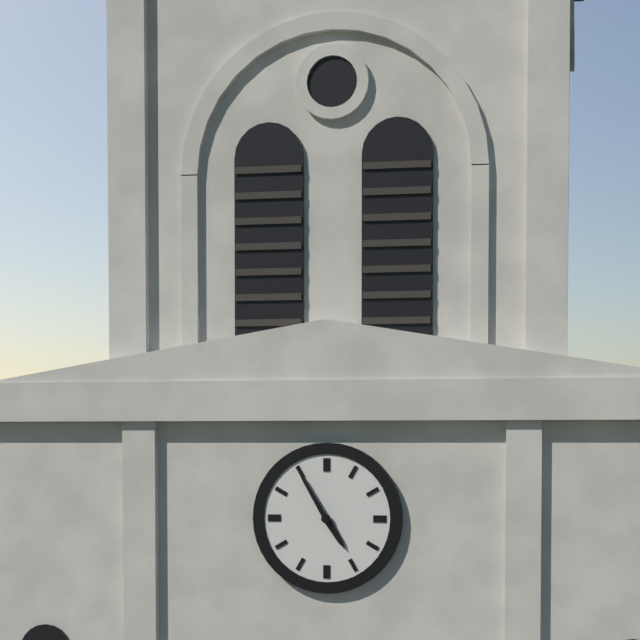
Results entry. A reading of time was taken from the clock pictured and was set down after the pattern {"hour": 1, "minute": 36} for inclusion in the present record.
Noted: {"hour": 4, "minute": 55}
